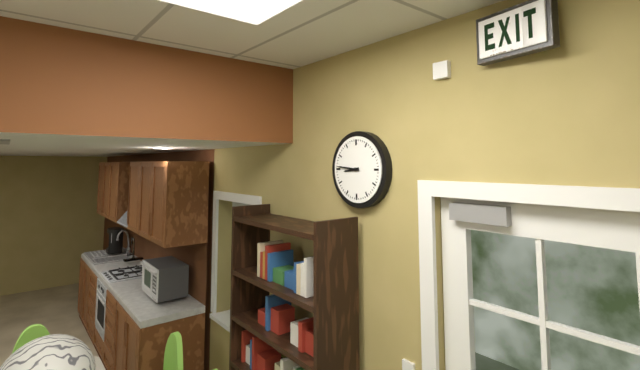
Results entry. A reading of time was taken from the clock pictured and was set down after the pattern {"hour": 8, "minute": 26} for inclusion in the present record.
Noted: {"hour": 8, "minute": 46}
